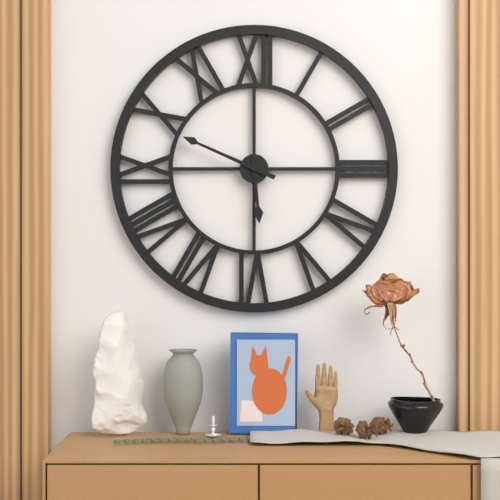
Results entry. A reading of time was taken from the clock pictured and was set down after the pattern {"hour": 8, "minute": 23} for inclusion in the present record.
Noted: {"hour": 5, "minute": 49}
